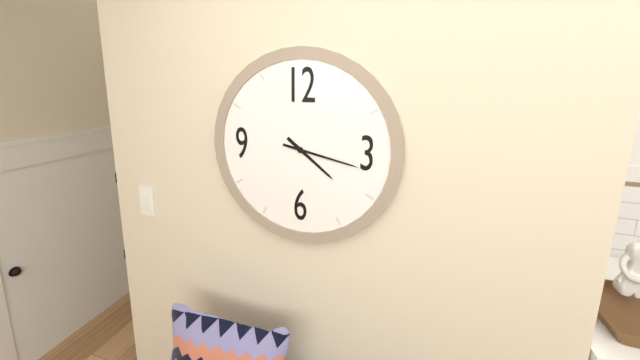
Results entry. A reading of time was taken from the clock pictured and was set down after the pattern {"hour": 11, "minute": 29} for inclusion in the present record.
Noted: {"hour": 4, "minute": 17}
